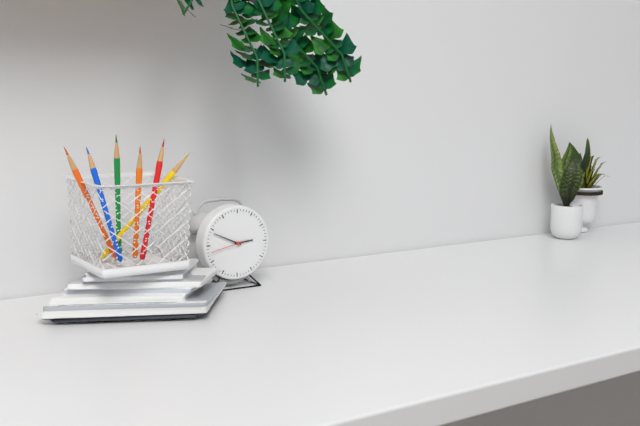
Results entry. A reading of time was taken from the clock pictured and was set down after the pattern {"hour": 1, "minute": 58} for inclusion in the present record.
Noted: {"hour": 2, "minute": 49}
